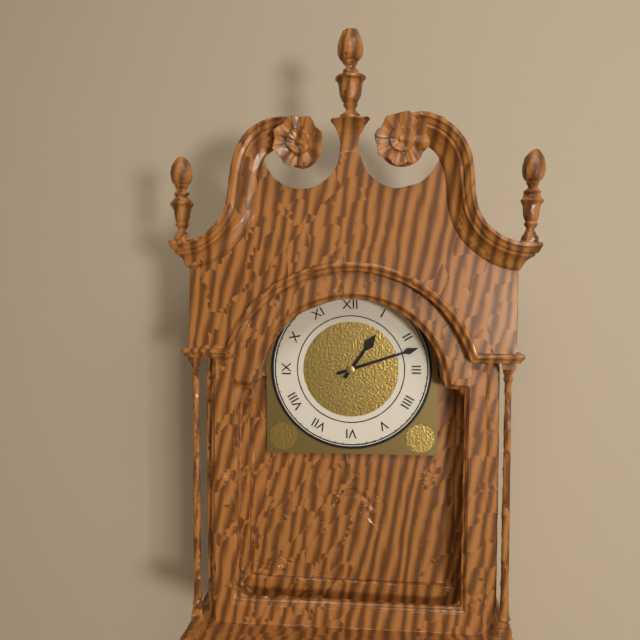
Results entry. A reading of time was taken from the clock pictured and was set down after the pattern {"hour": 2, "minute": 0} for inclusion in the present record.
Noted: {"hour": 1, "minute": 12}
